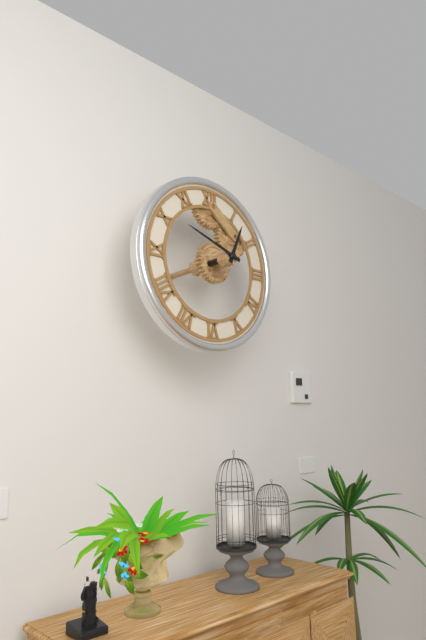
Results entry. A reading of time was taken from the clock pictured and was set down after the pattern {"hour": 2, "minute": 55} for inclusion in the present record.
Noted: {"hour": 12, "minute": 48}
